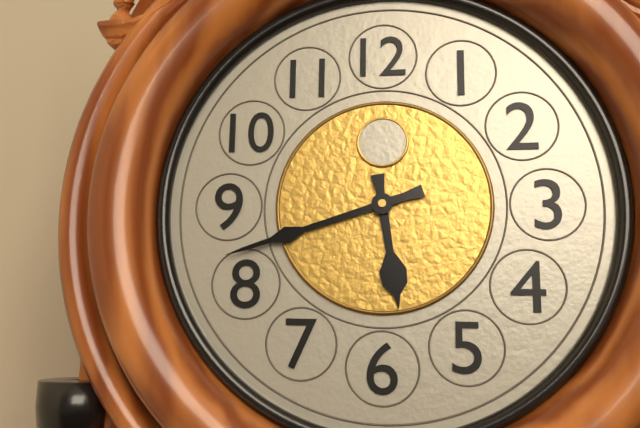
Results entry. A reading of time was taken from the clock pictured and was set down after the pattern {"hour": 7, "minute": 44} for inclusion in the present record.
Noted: {"hour": 5, "minute": 42}
